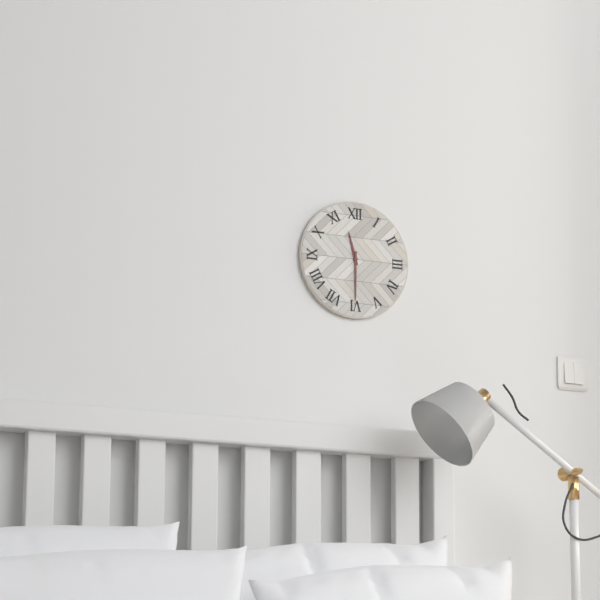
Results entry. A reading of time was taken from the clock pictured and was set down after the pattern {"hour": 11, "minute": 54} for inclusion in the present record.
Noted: {"hour": 11, "minute": 30}
